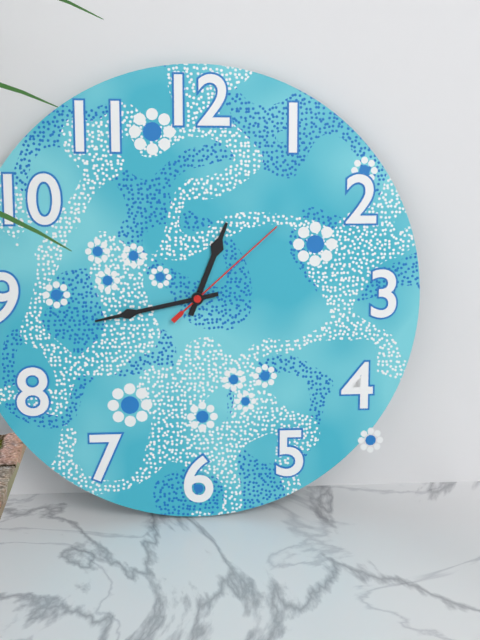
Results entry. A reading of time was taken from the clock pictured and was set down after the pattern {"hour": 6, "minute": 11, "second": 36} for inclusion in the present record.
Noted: {"hour": 12, "minute": 43, "second": 8}
